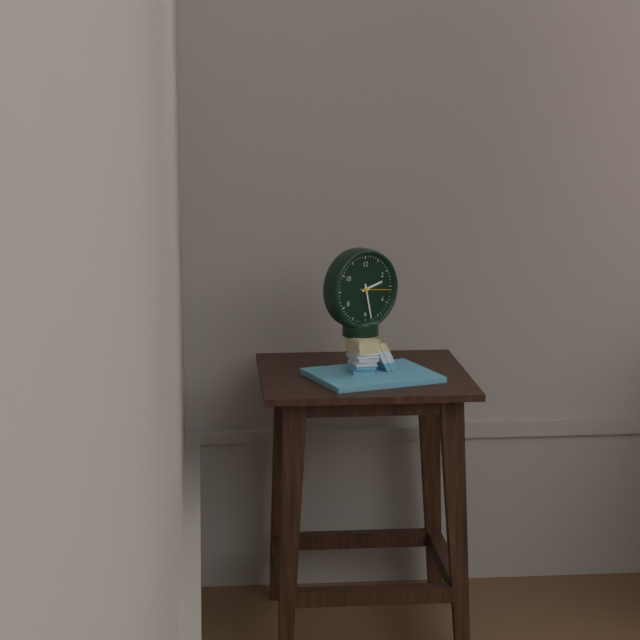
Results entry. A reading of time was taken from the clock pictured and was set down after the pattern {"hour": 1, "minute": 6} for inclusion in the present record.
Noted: {"hour": 2, "minute": 28}
